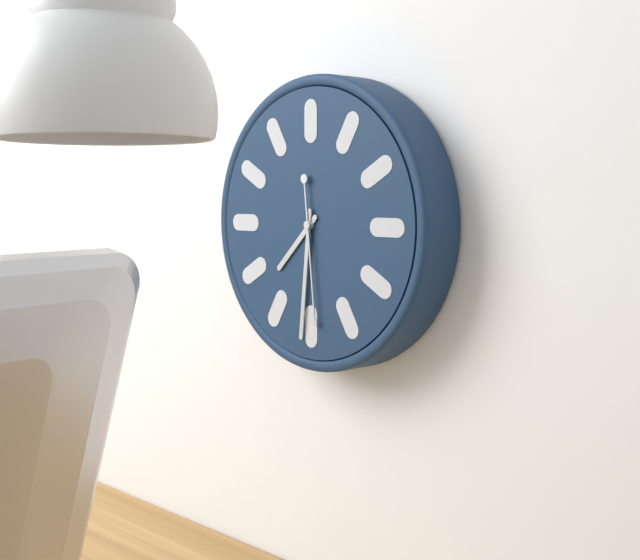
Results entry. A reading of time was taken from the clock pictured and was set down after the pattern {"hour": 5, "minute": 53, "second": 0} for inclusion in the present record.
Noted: {"hour": 7, "minute": 31, "second": 29}
